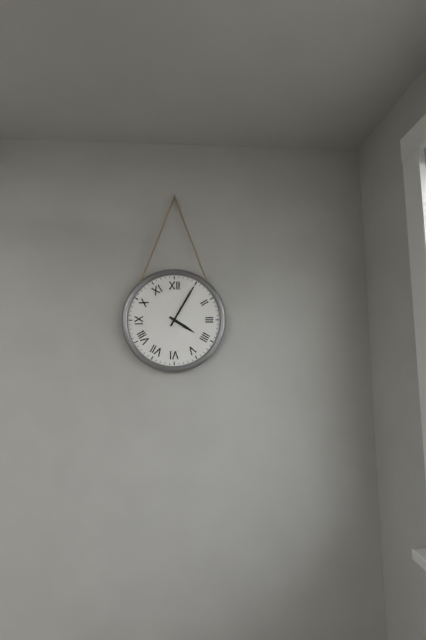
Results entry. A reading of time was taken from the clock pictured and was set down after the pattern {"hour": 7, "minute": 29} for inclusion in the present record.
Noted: {"hour": 4, "minute": 5}
